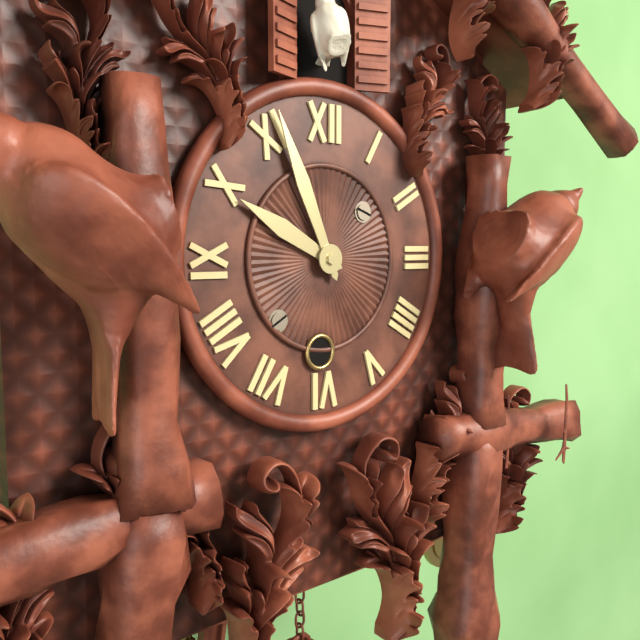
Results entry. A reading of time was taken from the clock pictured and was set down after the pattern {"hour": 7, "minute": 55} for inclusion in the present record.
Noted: {"hour": 9, "minute": 56}
